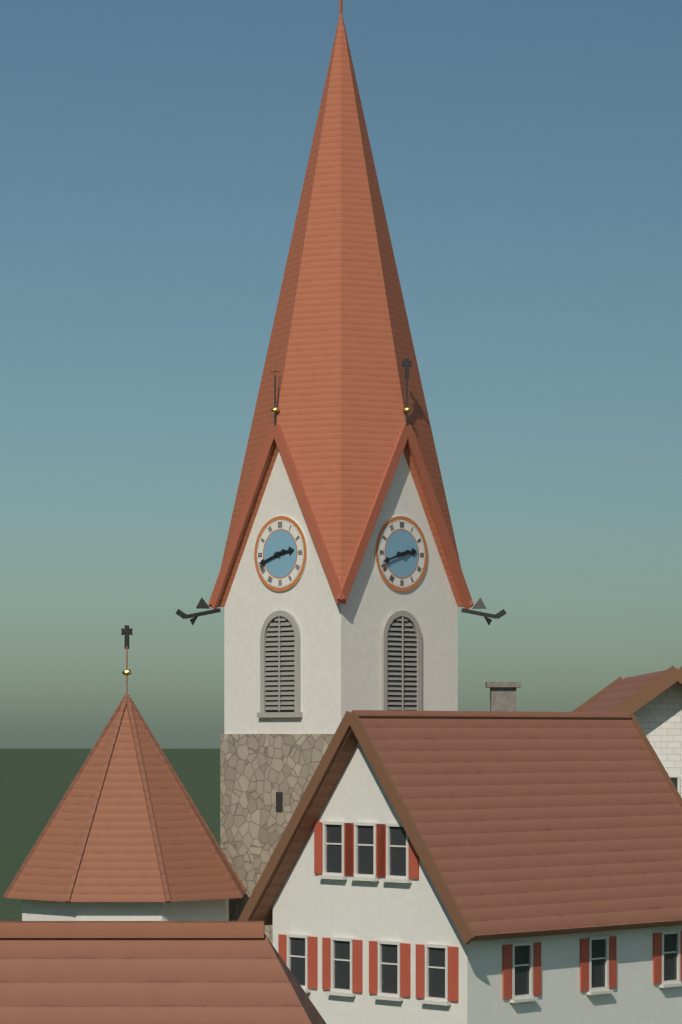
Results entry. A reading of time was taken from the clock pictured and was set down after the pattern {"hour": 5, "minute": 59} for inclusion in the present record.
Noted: {"hour": 2, "minute": 42}
